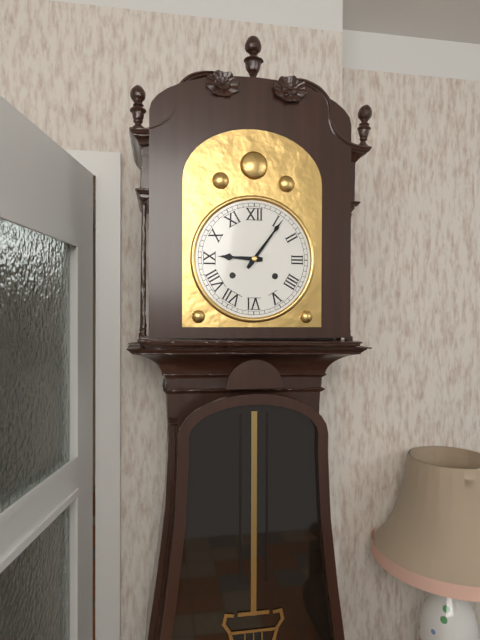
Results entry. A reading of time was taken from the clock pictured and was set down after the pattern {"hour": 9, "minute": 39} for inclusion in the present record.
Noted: {"hour": 9, "minute": 6}
